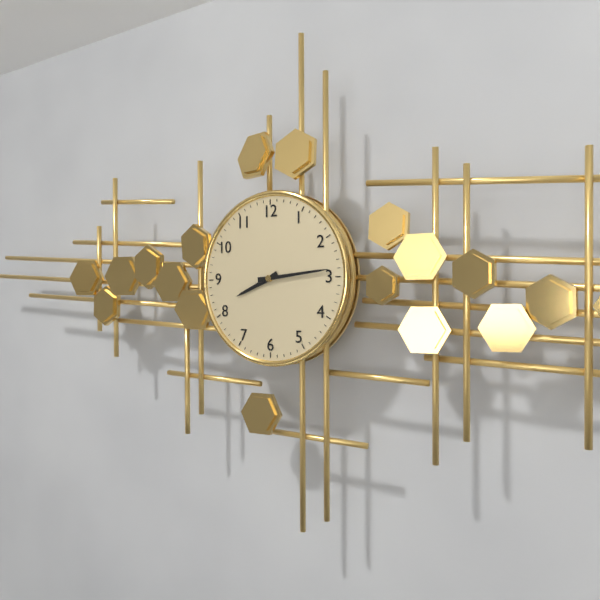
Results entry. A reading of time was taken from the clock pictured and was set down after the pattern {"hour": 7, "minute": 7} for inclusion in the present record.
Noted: {"hour": 8, "minute": 14}
